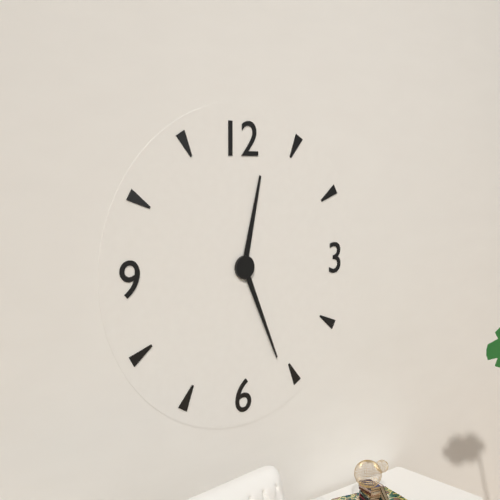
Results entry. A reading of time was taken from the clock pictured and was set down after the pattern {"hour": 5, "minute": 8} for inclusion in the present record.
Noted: {"hour": 12, "minute": 26}
